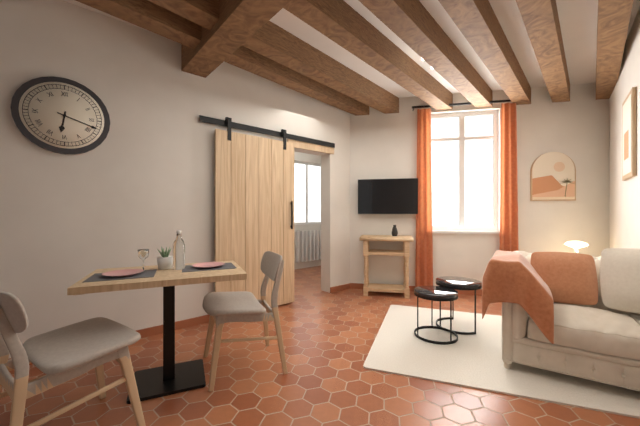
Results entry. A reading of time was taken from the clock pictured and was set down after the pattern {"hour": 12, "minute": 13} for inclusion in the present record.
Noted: {"hour": 6, "minute": 18}
